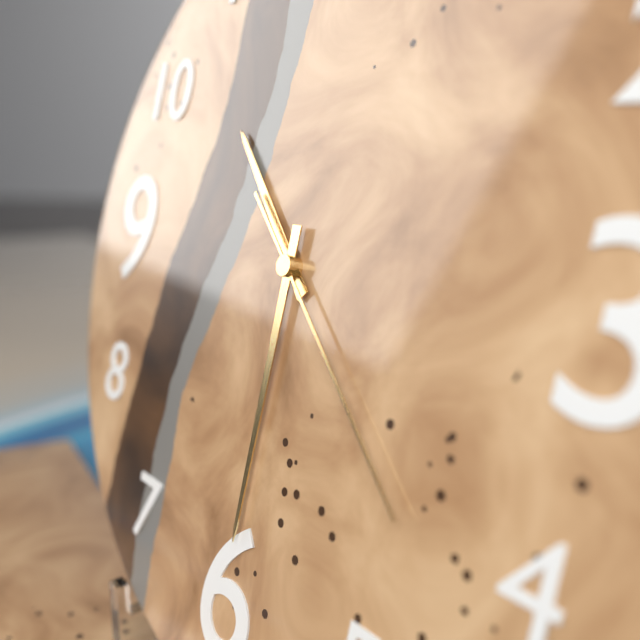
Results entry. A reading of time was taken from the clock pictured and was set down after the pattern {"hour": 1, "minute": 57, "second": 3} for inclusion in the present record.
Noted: {"hour": 10, "minute": 30, "second": 22}
